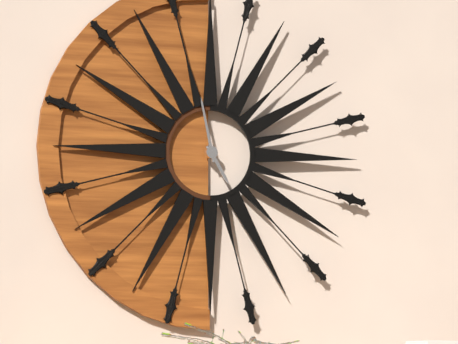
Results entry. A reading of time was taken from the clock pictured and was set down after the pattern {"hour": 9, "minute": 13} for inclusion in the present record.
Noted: {"hour": 4, "minute": 58}
